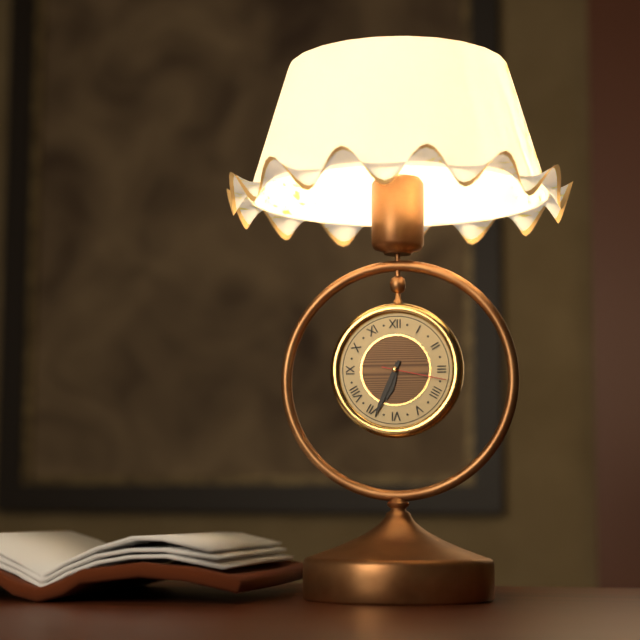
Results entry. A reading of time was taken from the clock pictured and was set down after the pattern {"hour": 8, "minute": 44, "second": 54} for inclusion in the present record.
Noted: {"hour": 6, "minute": 34, "second": 17}
